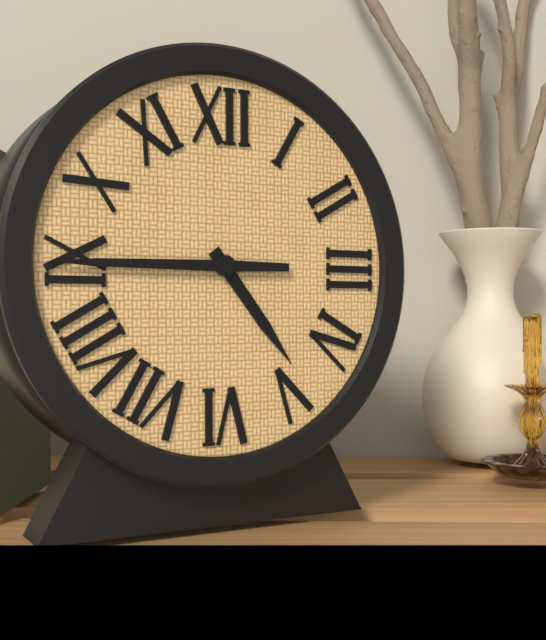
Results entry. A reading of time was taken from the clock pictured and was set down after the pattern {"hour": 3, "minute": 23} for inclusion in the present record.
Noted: {"hour": 4, "minute": 45}
